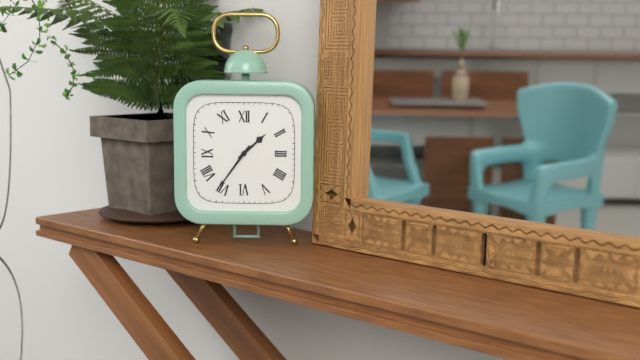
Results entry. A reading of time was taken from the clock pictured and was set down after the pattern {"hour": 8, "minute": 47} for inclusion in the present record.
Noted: {"hour": 1, "minute": 36}
